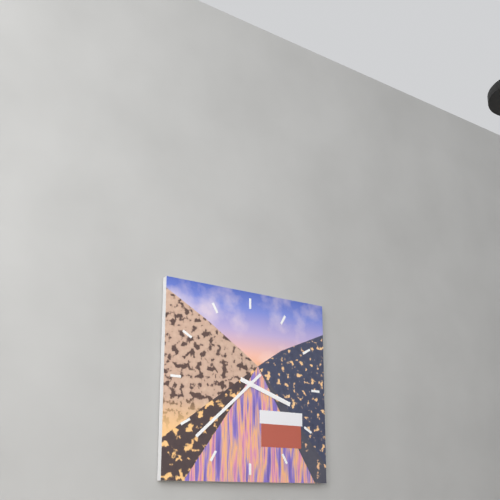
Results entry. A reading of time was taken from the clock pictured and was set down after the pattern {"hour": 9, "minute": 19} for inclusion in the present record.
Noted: {"hour": 3, "minute": 38}
